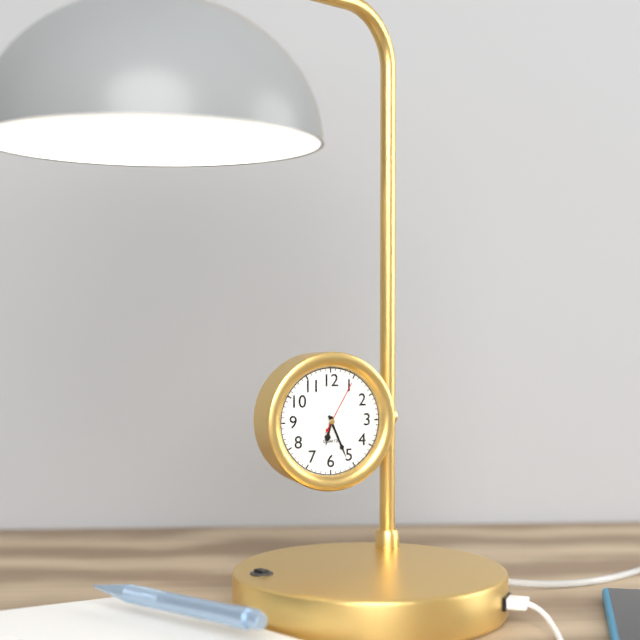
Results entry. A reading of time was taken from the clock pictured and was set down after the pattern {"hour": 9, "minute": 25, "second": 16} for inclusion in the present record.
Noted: {"hour": 6, "minute": 26, "second": 5}
